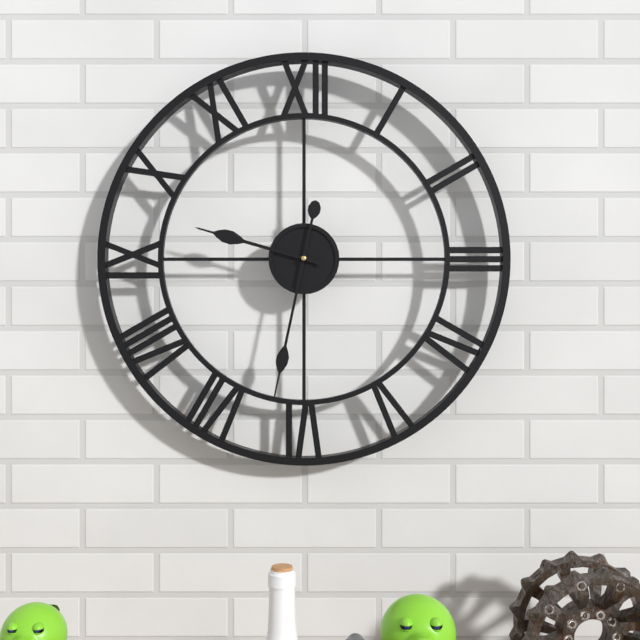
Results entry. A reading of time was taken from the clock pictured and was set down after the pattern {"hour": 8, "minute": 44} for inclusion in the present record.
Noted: {"hour": 9, "minute": 32}
